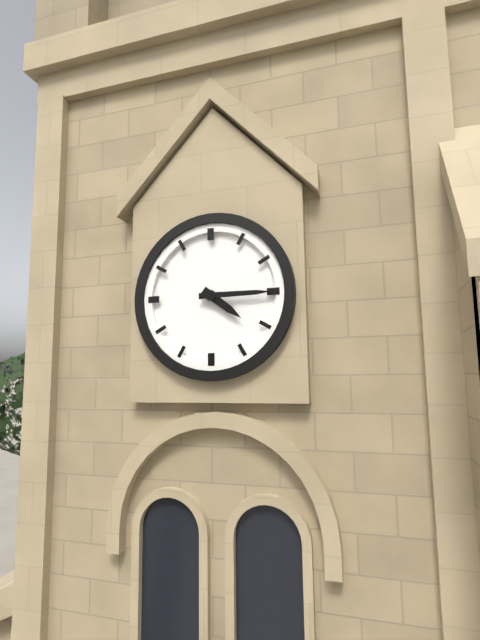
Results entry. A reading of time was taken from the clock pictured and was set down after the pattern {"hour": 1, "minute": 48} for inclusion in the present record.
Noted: {"hour": 4, "minute": 15}
